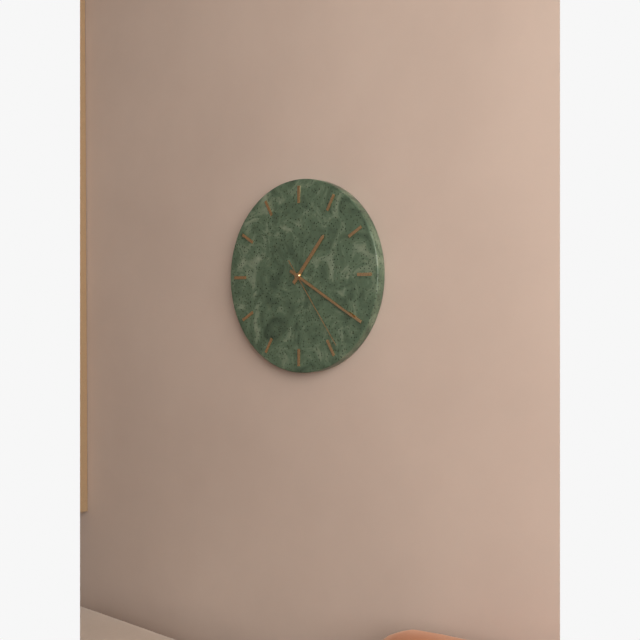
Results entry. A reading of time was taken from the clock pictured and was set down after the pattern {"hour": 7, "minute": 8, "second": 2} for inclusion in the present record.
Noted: {"hour": 1, "minute": 20, "second": 24}
